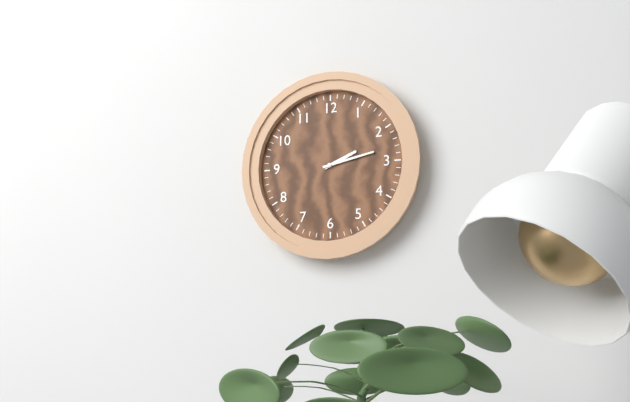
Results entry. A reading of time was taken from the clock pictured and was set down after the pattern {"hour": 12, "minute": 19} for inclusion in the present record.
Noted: {"hour": 2, "minute": 13}
